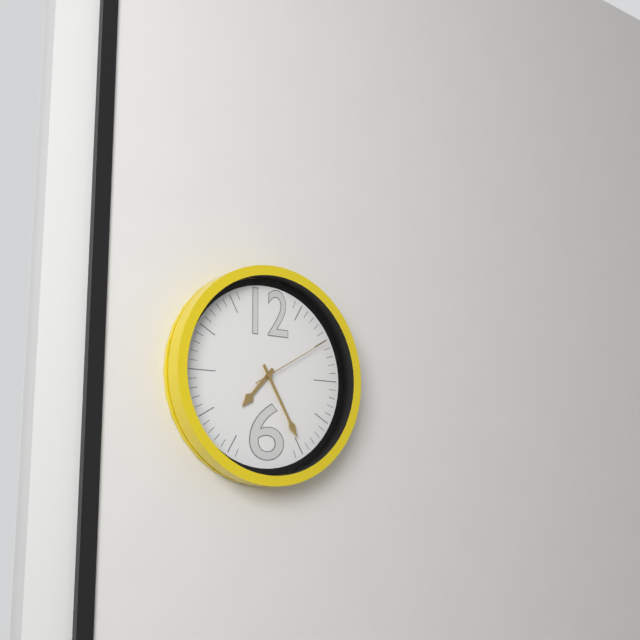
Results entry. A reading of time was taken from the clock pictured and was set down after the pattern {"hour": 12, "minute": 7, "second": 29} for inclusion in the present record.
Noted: {"hour": 7, "minute": 25, "second": 10}
